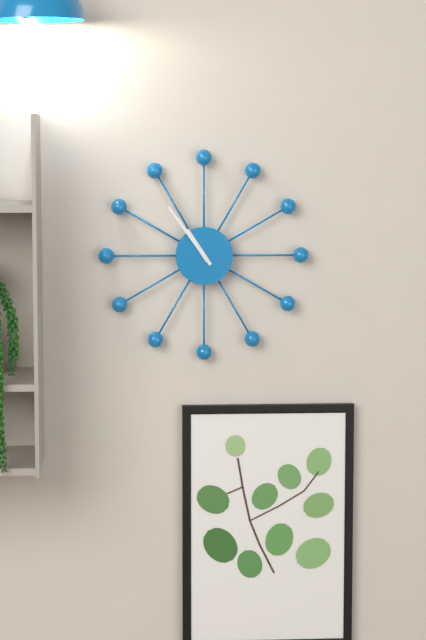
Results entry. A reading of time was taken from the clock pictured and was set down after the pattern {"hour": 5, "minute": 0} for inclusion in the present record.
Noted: {"hour": 10, "minute": 54}
